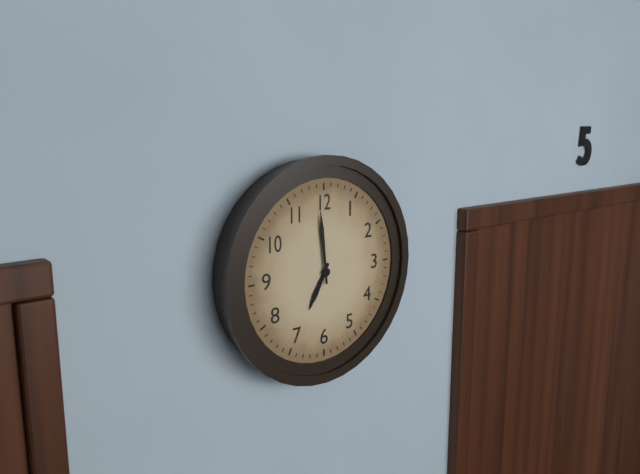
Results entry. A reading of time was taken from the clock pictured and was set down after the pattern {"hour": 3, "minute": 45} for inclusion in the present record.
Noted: {"hour": 6, "minute": 59}
